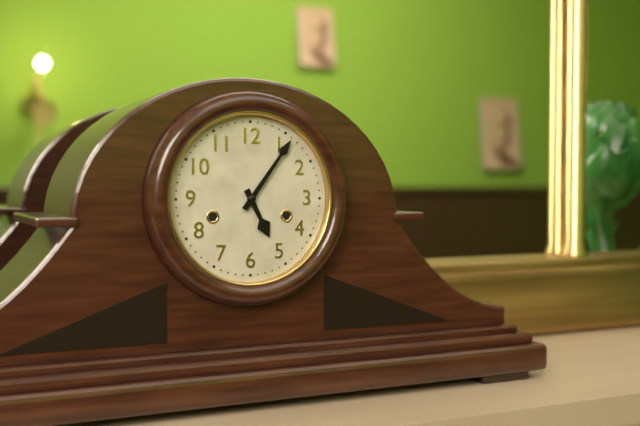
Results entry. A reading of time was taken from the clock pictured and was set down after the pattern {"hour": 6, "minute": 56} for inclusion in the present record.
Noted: {"hour": 5, "minute": 6}
